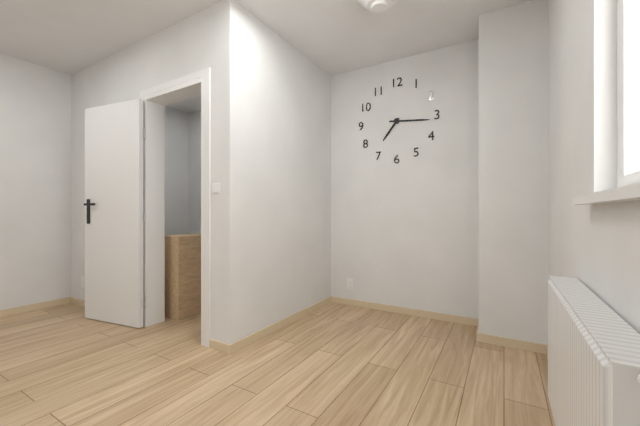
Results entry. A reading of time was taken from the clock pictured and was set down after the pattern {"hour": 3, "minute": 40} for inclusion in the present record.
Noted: {"hour": 7, "minute": 16}
